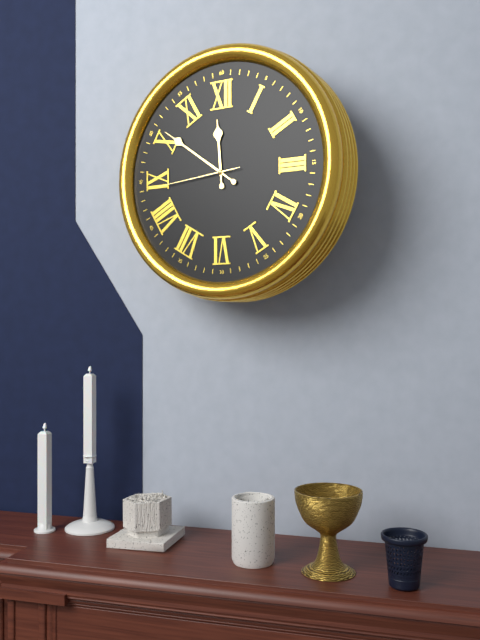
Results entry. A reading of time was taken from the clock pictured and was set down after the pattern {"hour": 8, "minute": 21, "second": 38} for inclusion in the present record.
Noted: {"hour": 11, "minute": 51, "second": 44}
